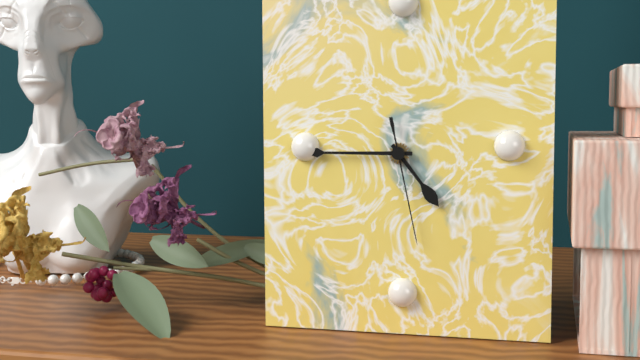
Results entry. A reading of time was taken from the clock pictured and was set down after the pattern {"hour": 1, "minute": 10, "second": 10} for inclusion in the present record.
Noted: {"hour": 4, "minute": 45, "second": 28}
